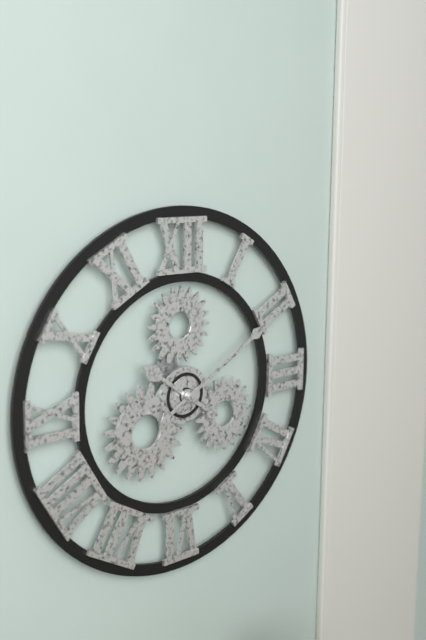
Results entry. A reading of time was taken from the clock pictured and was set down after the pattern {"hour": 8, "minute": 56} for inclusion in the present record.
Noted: {"hour": 10, "minute": 10}
